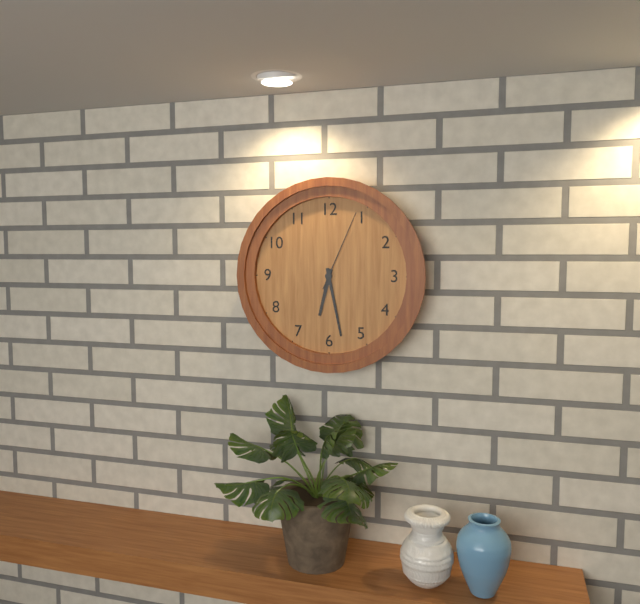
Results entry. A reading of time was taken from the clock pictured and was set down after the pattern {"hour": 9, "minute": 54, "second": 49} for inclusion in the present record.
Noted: {"hour": 6, "minute": 28, "second": 4}
